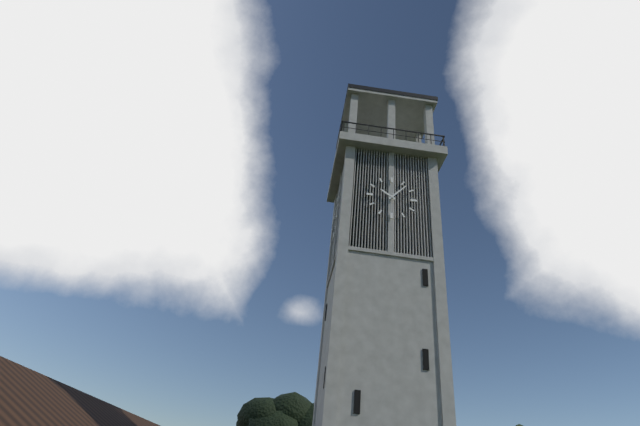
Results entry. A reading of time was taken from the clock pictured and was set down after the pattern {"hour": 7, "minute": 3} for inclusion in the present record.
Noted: {"hour": 10, "minute": 7}
